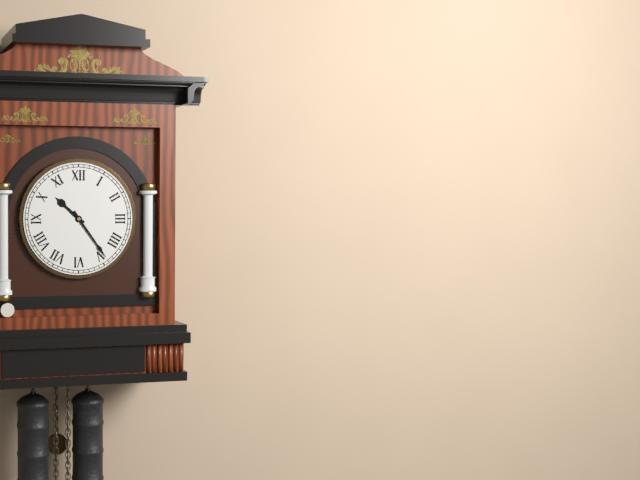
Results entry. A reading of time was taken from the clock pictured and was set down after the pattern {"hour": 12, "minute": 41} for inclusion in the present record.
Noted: {"hour": 10, "minute": 24}
